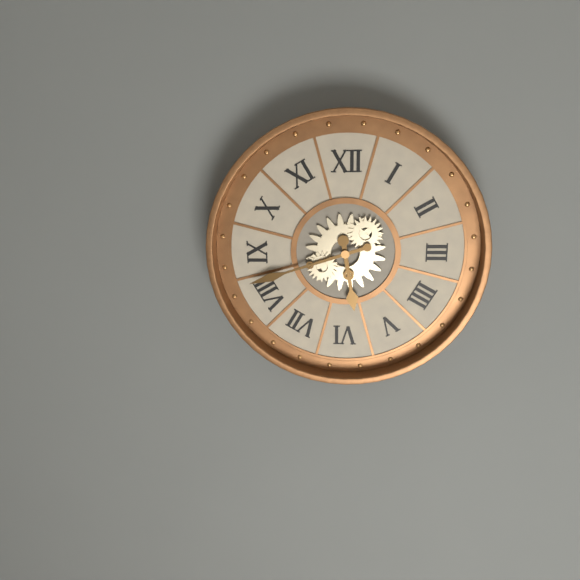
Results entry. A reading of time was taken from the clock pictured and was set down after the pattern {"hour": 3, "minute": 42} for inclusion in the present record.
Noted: {"hour": 5, "minute": 42}
